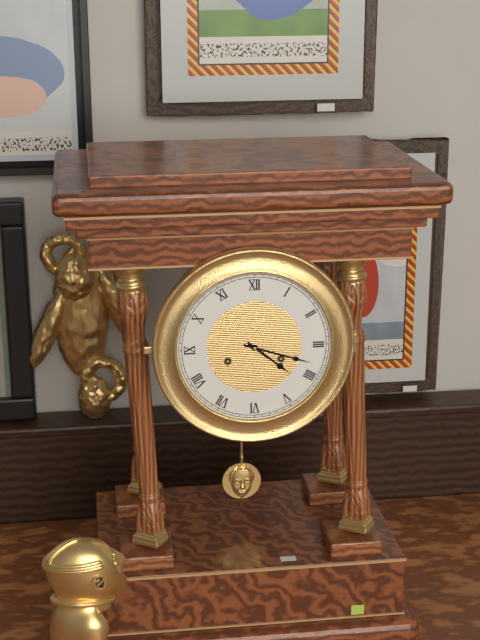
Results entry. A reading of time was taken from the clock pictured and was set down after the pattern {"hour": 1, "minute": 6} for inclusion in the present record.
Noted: {"hour": 4, "minute": 18}
